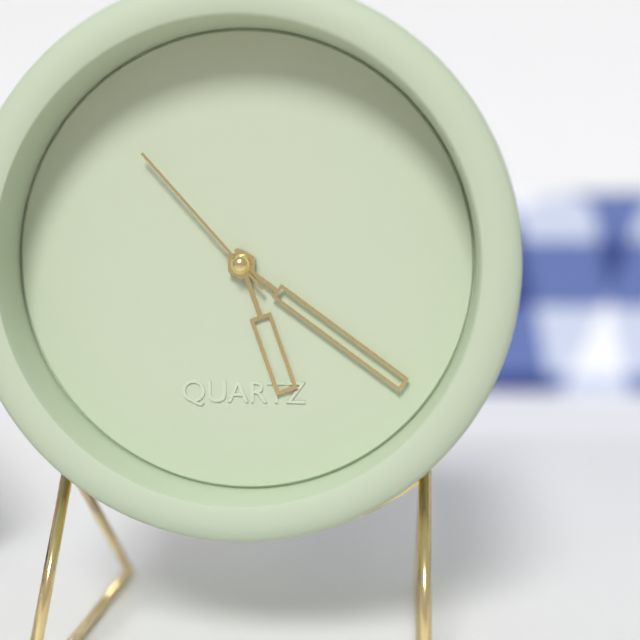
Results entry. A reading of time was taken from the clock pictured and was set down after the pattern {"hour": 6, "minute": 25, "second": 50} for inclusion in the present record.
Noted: {"hour": 5, "minute": 21, "second": 53}
